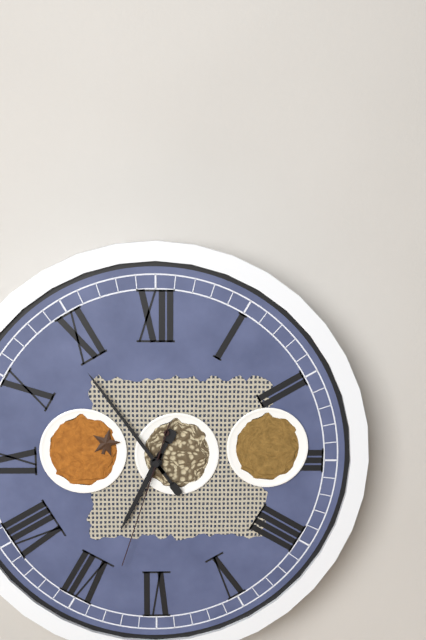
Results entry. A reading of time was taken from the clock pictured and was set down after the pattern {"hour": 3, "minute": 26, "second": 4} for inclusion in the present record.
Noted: {"hour": 6, "minute": 54, "second": 33}
